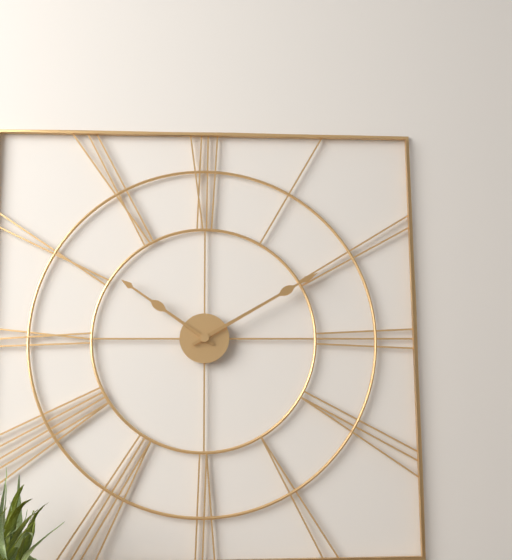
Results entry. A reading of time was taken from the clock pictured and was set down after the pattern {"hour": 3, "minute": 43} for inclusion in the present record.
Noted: {"hour": 10, "minute": 10}
